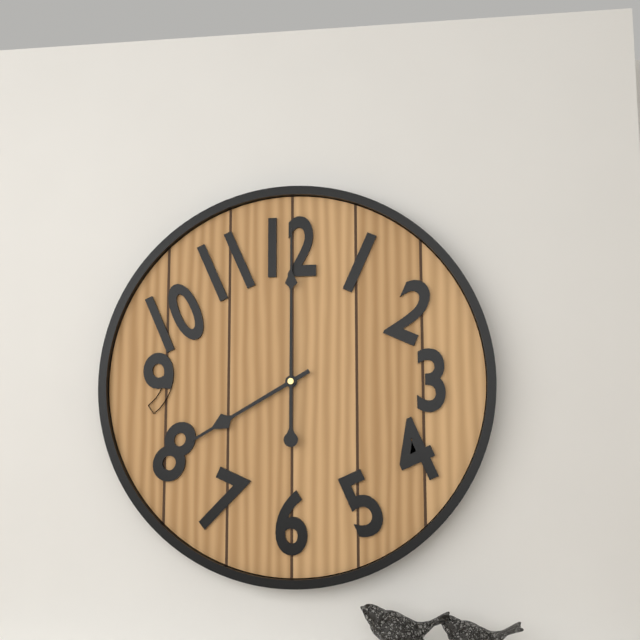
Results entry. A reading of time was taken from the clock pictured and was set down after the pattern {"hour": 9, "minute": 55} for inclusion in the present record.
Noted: {"hour": 8, "minute": 0}
